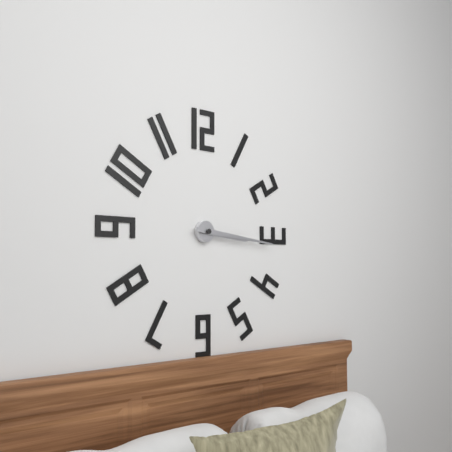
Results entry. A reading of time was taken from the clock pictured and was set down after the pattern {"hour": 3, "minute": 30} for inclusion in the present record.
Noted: {"hour": 3, "minute": 16}
